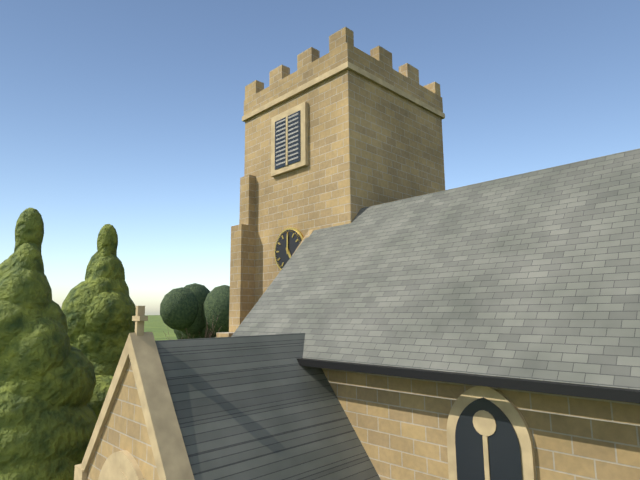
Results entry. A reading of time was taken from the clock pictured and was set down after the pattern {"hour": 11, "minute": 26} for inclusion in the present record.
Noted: {"hour": 5, "minute": 0}
